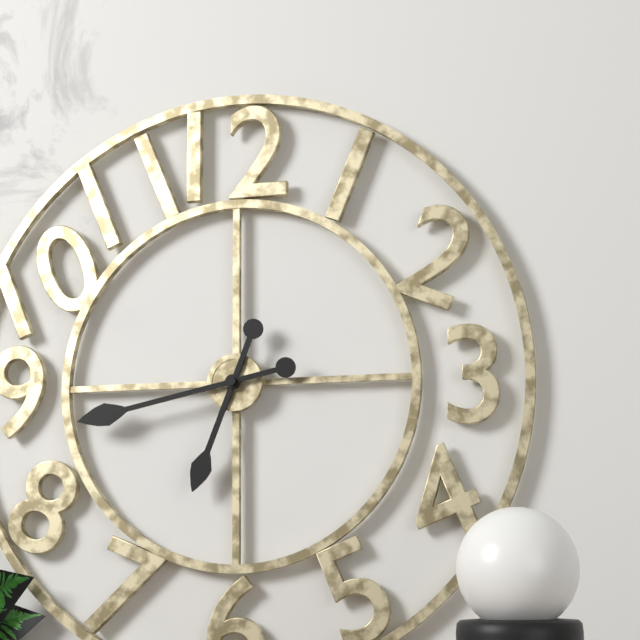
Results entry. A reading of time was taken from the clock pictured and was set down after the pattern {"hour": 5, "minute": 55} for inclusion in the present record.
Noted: {"hour": 6, "minute": 43}
